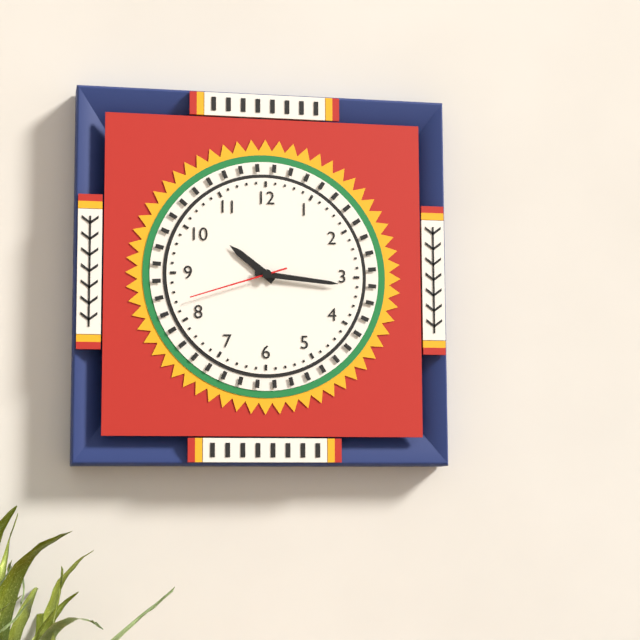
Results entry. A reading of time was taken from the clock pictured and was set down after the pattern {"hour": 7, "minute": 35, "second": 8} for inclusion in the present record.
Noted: {"hour": 10, "minute": 16, "second": 42}
